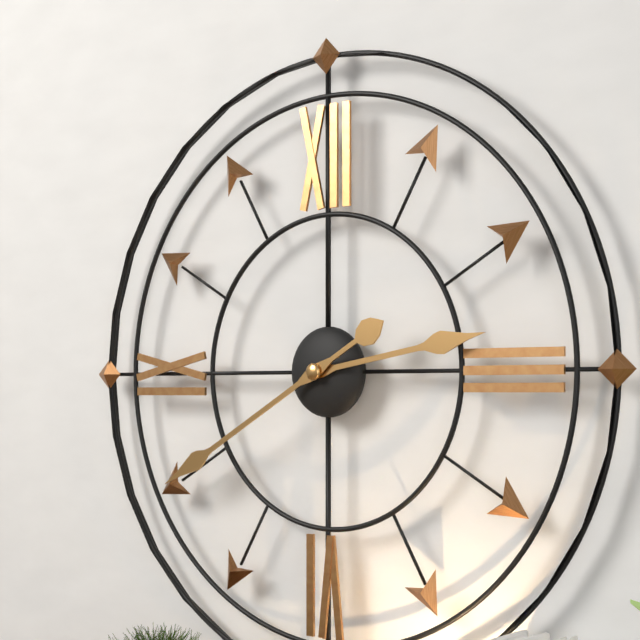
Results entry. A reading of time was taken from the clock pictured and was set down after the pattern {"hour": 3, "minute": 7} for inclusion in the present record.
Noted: {"hour": 2, "minute": 40}
